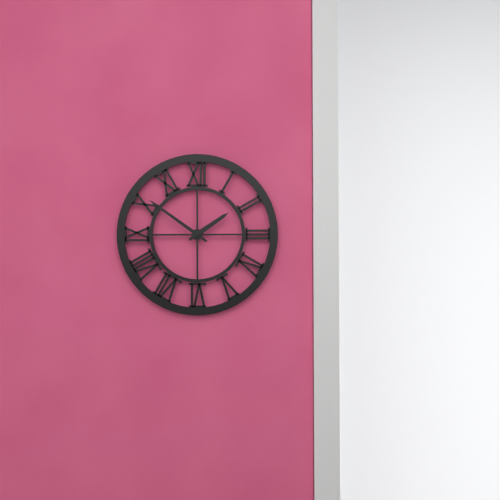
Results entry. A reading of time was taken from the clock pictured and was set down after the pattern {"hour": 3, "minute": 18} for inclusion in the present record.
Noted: {"hour": 1, "minute": 51}
